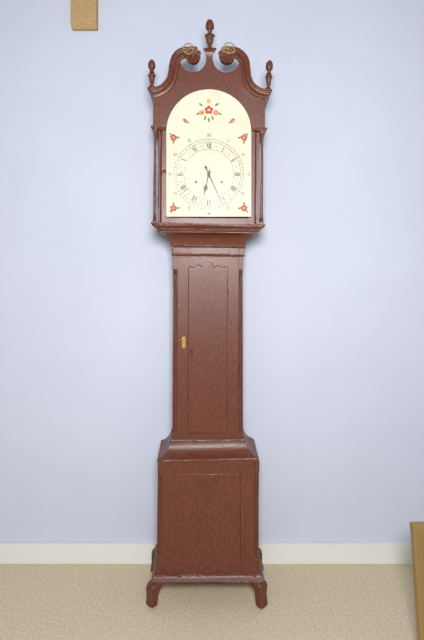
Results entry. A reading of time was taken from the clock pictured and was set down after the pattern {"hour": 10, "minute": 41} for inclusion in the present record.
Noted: {"hour": 6, "minute": 26}
